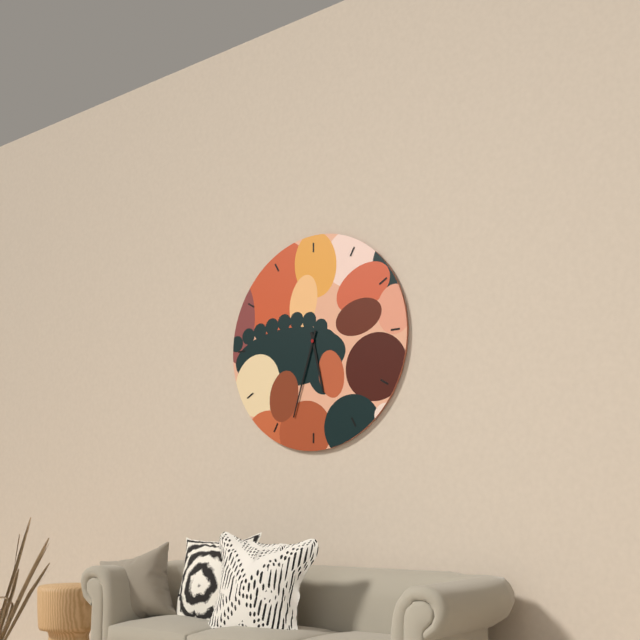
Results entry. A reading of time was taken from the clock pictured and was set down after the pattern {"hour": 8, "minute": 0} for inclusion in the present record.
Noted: {"hour": 5, "minute": 33}
